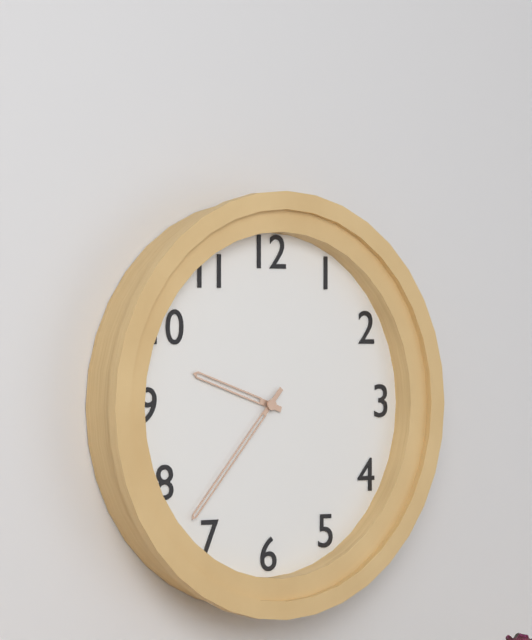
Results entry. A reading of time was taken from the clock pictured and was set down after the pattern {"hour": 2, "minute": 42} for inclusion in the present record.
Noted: {"hour": 9, "minute": 37}
